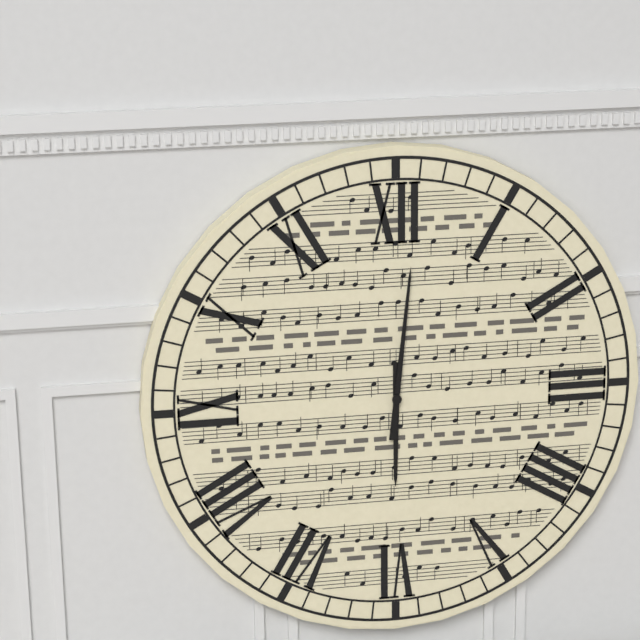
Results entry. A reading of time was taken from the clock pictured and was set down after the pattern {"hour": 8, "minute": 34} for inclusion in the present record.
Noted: {"hour": 6, "minute": 1}
